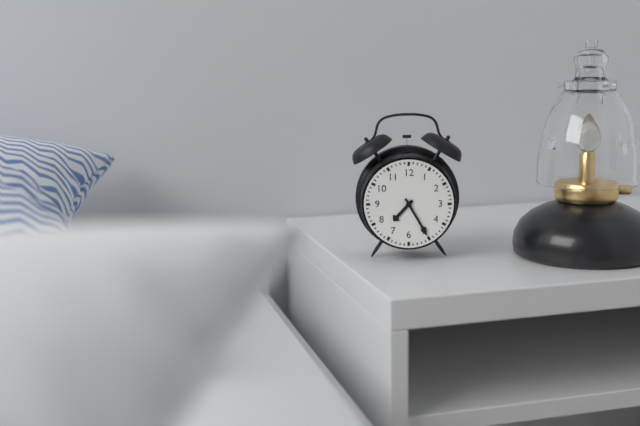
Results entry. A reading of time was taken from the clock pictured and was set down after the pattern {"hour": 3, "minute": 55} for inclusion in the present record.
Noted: {"hour": 7, "minute": 25}
